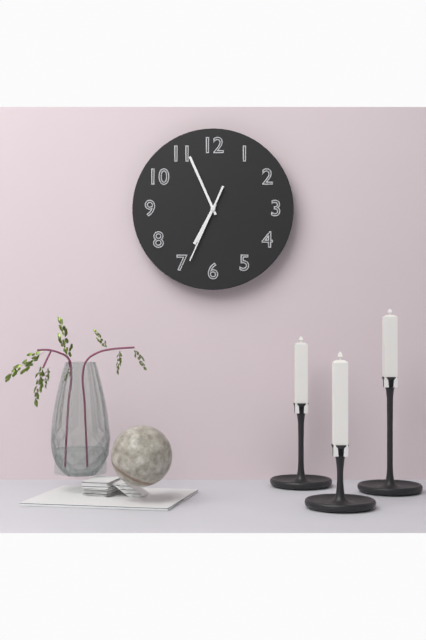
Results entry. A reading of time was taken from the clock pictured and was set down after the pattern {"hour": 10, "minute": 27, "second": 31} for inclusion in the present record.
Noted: {"hour": 6, "minute": 56, "second": 34}
